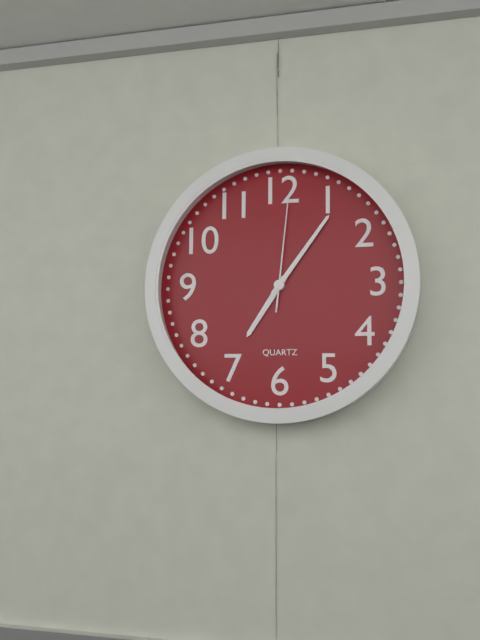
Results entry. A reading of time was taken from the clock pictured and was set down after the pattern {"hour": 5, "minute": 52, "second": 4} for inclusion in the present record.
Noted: {"hour": 7, "minute": 6, "second": 1}
